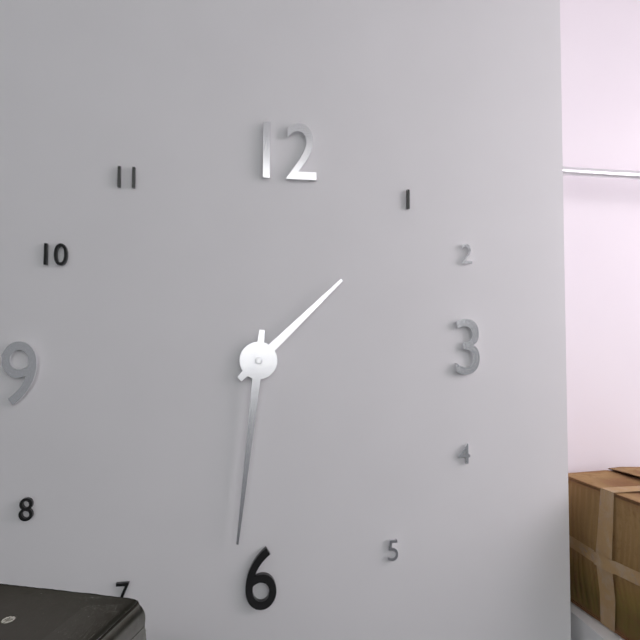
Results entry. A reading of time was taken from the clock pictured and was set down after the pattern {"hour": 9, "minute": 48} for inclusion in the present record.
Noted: {"hour": 1, "minute": 31}
